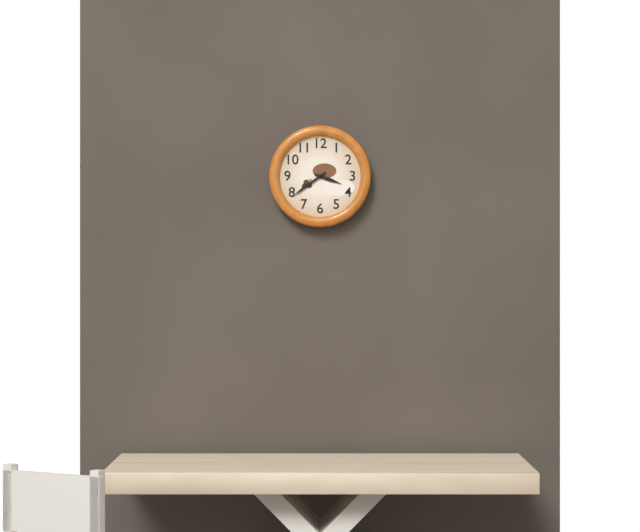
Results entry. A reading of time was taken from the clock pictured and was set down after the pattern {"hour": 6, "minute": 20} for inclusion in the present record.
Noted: {"hour": 3, "minute": 39}
